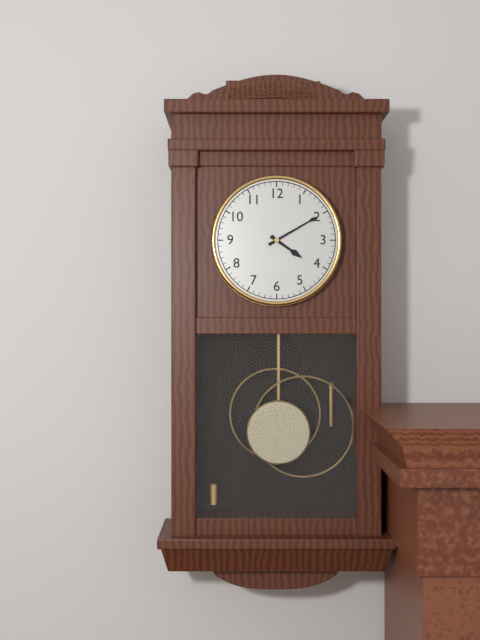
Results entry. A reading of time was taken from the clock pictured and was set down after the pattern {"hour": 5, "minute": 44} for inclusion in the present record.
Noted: {"hour": 4, "minute": 10}
